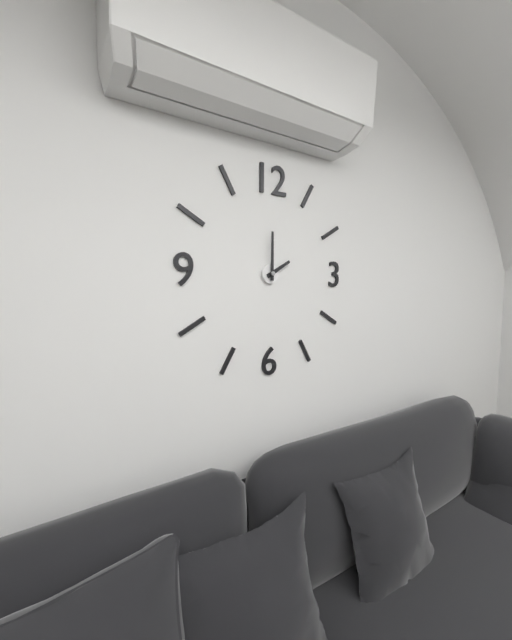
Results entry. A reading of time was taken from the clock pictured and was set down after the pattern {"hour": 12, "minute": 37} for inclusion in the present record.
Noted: {"hour": 2, "minute": 0}
